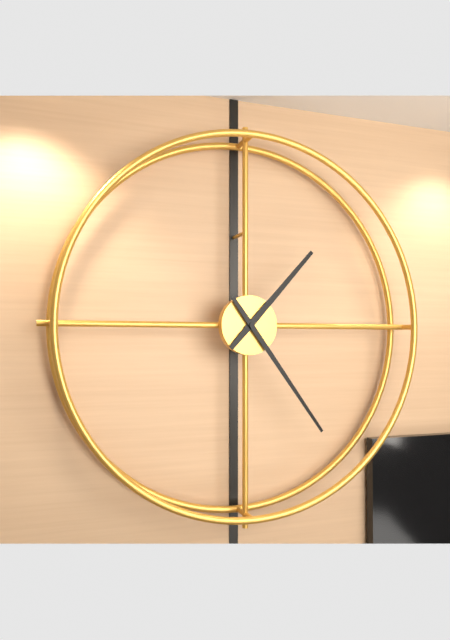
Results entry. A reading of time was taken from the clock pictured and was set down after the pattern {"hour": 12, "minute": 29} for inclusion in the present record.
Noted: {"hour": 1, "minute": 24}
